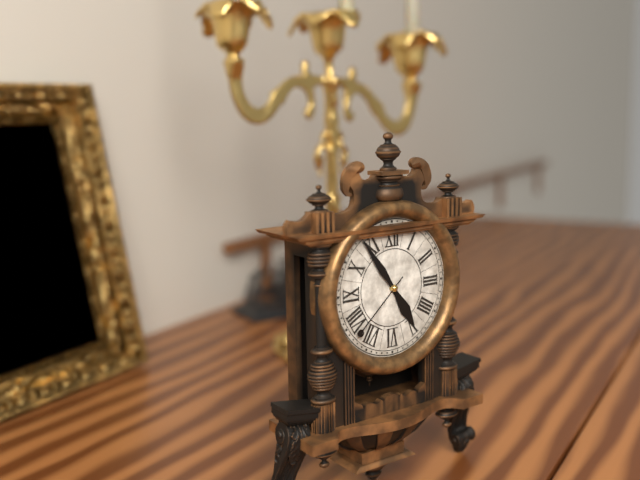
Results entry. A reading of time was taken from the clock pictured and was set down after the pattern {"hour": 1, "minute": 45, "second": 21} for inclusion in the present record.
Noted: {"hour": 4, "minute": 54, "second": 38}
